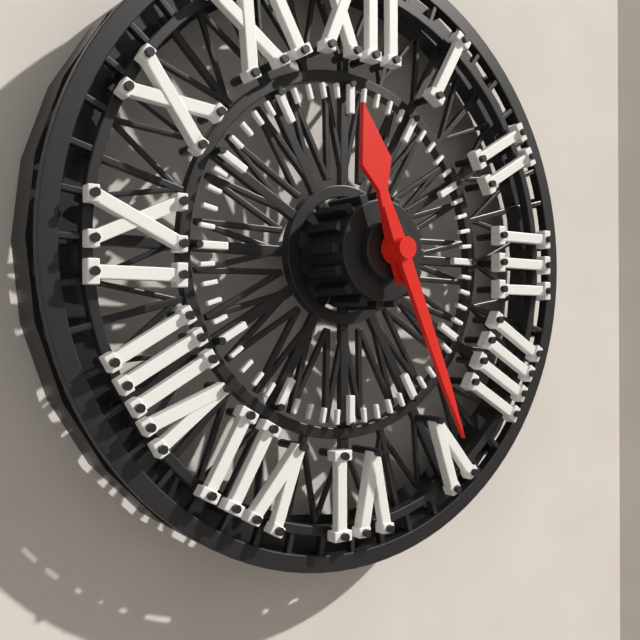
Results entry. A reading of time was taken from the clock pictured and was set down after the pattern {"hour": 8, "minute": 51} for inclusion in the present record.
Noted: {"hour": 11, "minute": 26}
